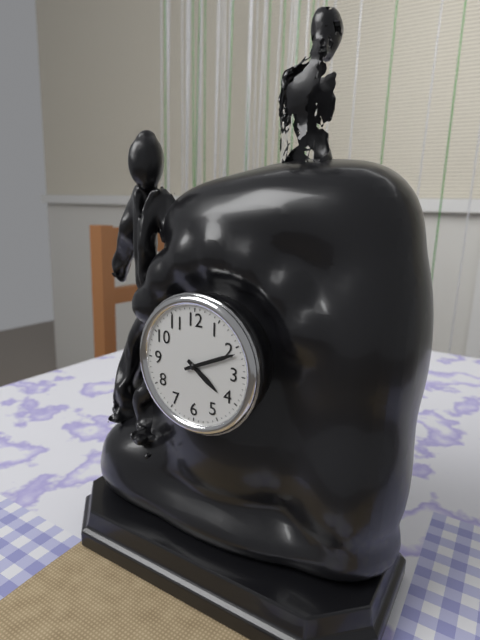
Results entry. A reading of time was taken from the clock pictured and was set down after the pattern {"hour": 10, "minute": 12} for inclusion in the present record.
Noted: {"hour": 4, "minute": 11}
